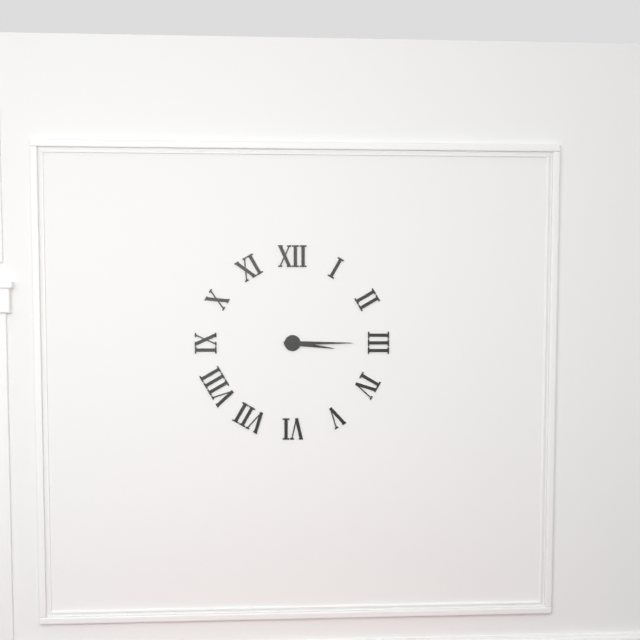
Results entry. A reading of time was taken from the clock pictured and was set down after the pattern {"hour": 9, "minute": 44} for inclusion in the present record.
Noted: {"hour": 3, "minute": 15}
